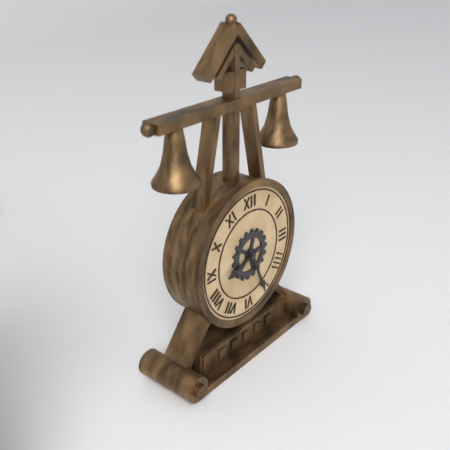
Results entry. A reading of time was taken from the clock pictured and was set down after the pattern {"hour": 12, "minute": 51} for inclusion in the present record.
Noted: {"hour": 8, "minute": 26}
